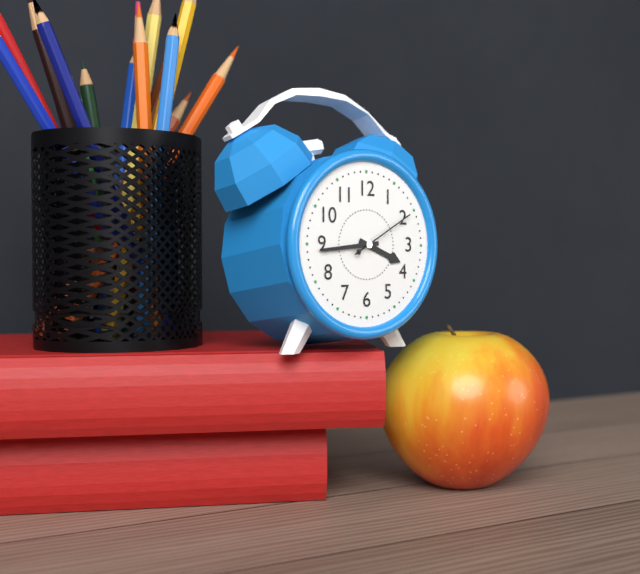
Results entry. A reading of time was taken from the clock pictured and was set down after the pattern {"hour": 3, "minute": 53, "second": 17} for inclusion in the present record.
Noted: {"hour": 3, "minute": 44, "second": 10}
